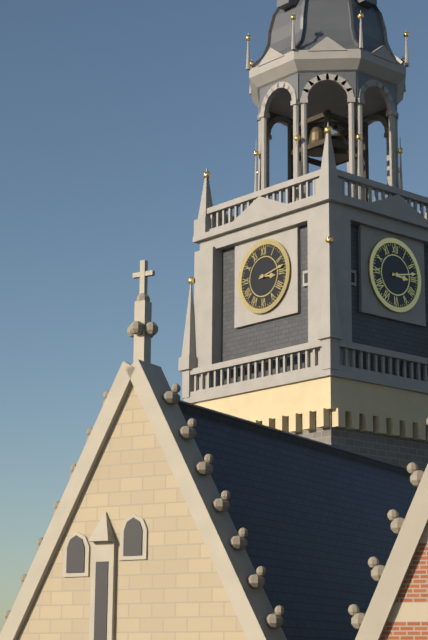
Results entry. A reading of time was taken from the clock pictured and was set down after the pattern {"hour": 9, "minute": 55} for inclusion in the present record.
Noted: {"hour": 3, "minute": 13}
